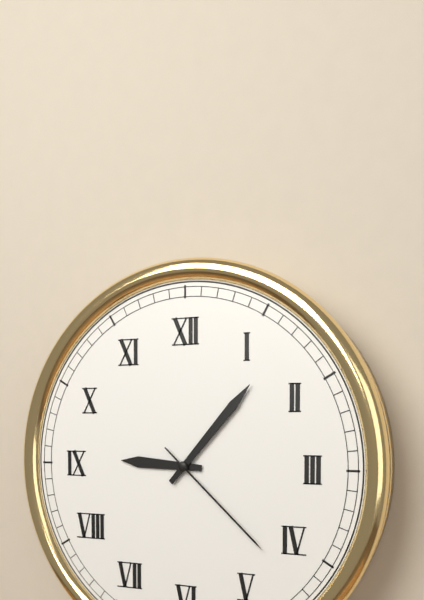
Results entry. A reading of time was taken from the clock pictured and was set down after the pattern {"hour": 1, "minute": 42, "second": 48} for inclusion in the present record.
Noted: {"hour": 9, "minute": 7, "second": 22}
